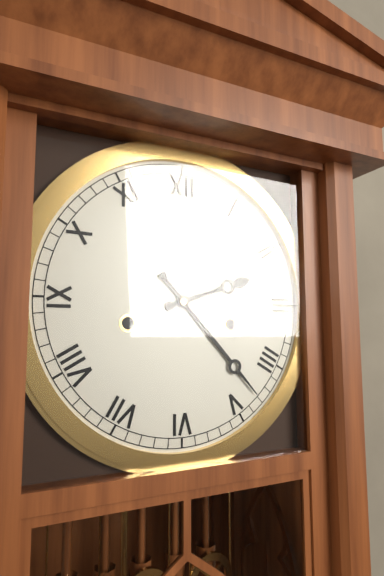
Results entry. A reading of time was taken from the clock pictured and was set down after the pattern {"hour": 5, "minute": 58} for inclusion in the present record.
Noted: {"hour": 2, "minute": 23}
